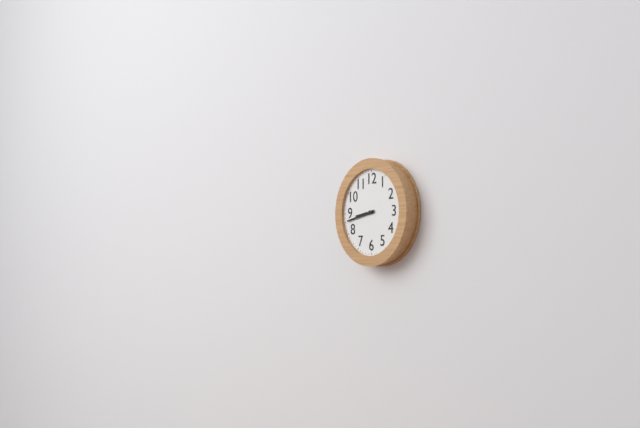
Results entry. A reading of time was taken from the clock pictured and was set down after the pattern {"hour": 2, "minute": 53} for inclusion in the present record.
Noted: {"hour": 8, "minute": 43}
